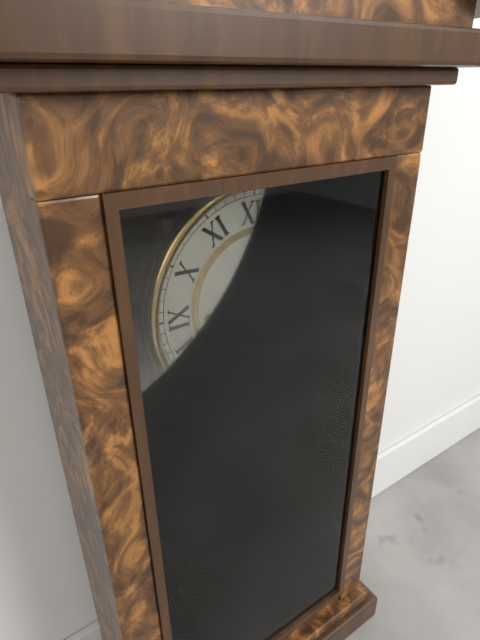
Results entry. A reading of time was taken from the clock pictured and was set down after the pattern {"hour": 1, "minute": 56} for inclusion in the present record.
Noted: {"hour": 5, "minute": 0}
